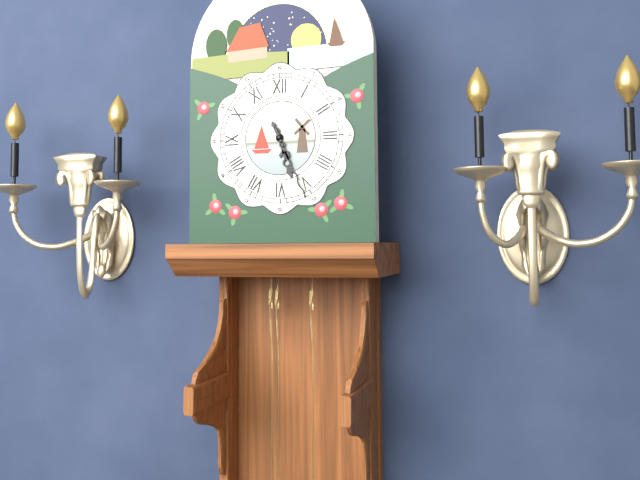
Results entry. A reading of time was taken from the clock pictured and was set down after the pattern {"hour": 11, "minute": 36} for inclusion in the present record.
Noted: {"hour": 5, "minute": 26}
